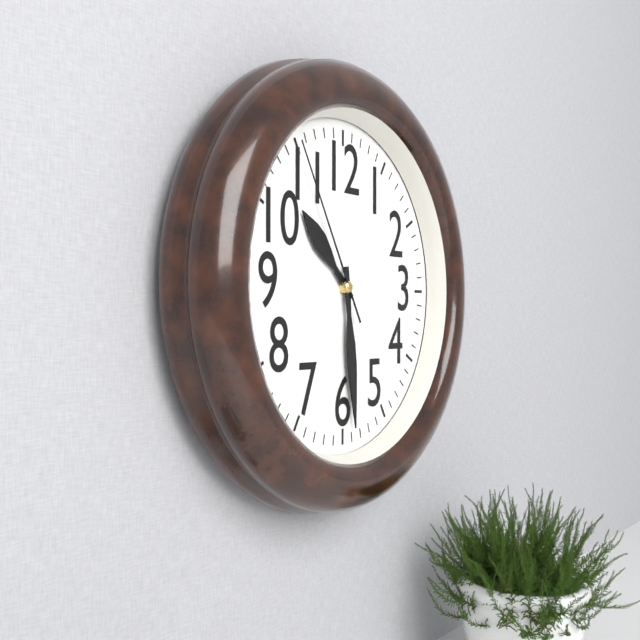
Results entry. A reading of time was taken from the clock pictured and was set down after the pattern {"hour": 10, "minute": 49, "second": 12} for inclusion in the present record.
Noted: {"hour": 10, "minute": 29, "second": 55}
